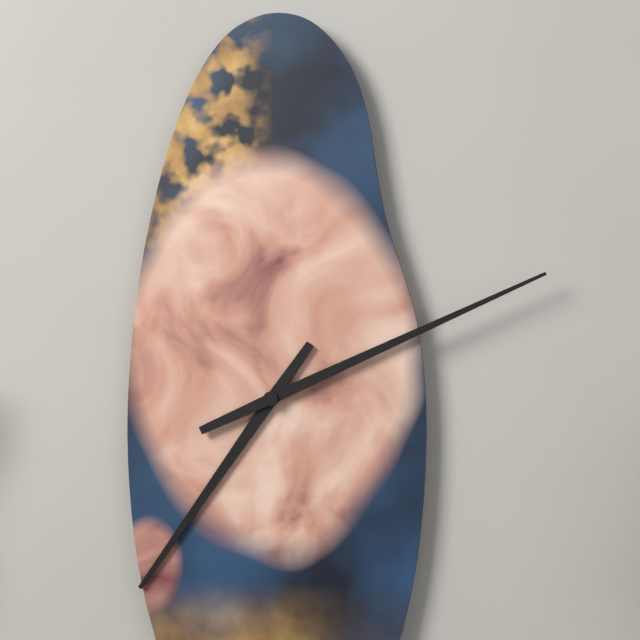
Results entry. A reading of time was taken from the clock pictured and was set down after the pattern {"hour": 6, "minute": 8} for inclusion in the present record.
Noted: {"hour": 7, "minute": 11}
